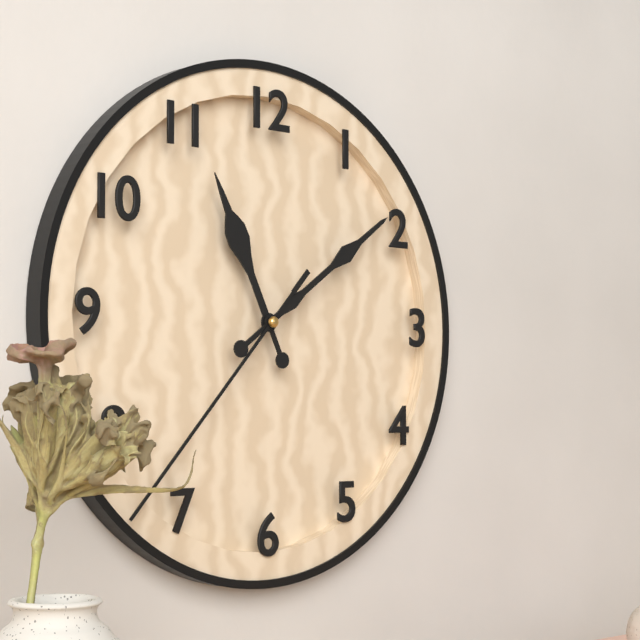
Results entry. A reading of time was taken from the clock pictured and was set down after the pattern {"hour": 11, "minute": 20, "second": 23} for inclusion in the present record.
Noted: {"hour": 11, "minute": 9, "second": 37}
